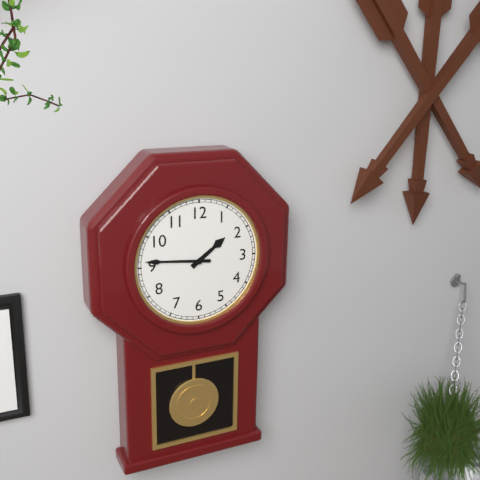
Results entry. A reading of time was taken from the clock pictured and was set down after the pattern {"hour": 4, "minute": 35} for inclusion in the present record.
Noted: {"hour": 1, "minute": 46}
